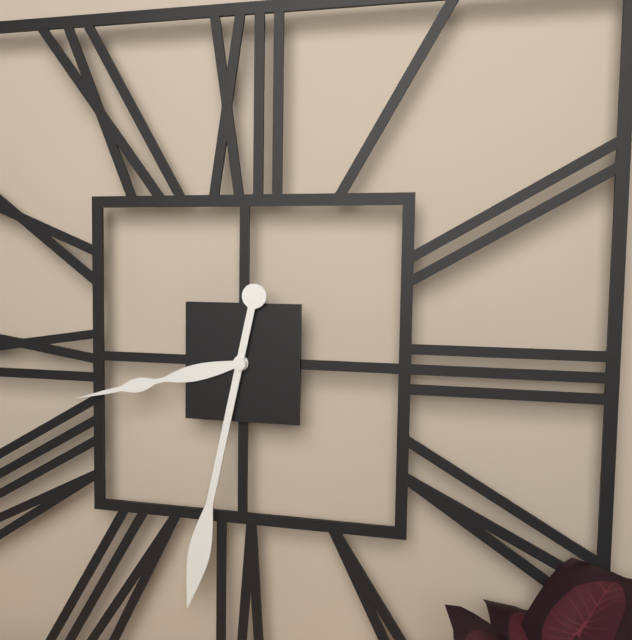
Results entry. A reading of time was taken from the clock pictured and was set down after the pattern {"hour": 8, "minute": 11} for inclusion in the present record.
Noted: {"hour": 8, "minute": 32}
